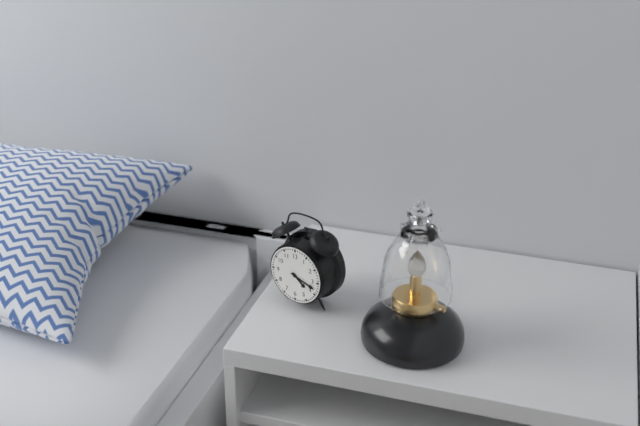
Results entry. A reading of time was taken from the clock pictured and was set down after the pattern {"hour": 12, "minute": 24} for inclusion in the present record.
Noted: {"hour": 4, "minute": 18}
